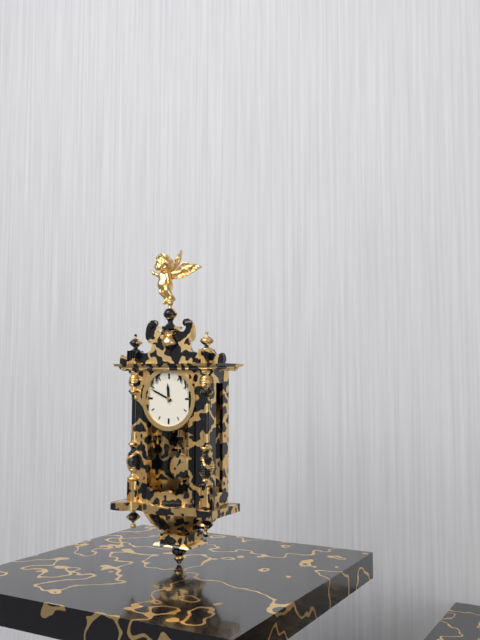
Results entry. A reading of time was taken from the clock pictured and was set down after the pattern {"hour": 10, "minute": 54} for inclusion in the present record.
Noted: {"hour": 11, "minute": 49}
